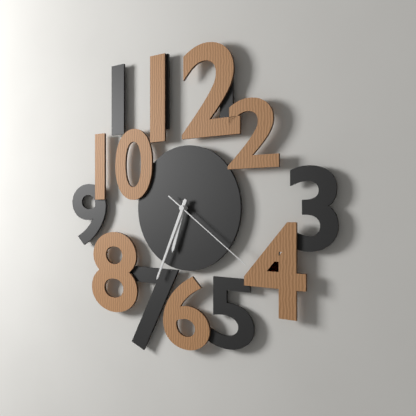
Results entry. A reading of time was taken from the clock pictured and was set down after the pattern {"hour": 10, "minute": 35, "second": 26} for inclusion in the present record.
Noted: {"hour": 6, "minute": 34, "second": 21}
